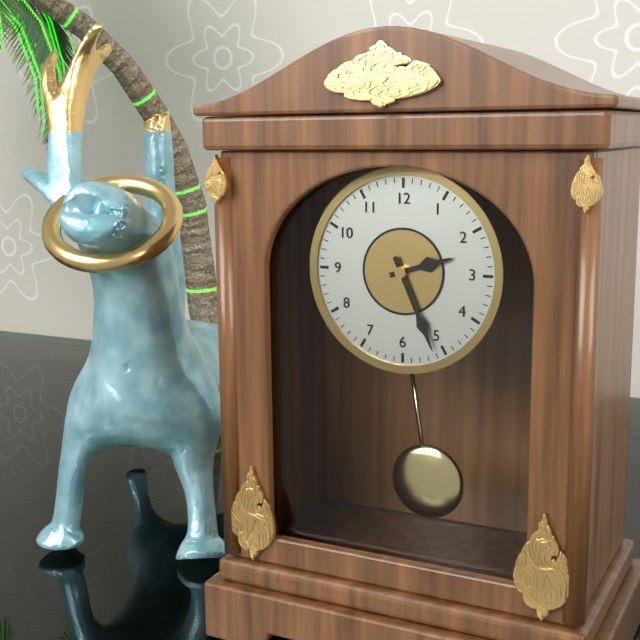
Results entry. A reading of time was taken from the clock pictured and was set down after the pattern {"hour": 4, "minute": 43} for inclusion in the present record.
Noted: {"hour": 2, "minute": 26}
